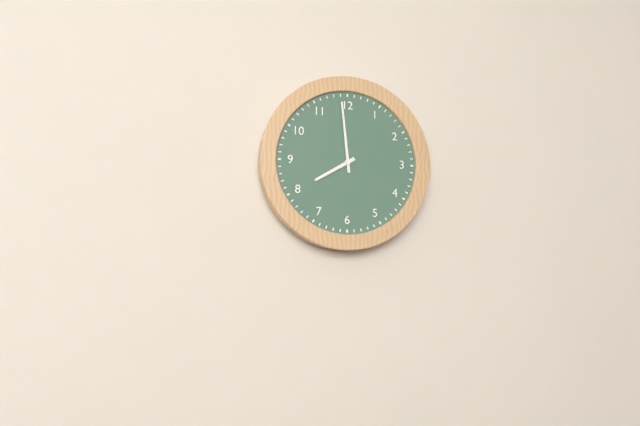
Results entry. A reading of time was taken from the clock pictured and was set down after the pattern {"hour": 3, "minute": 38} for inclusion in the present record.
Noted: {"hour": 7, "minute": 59}
